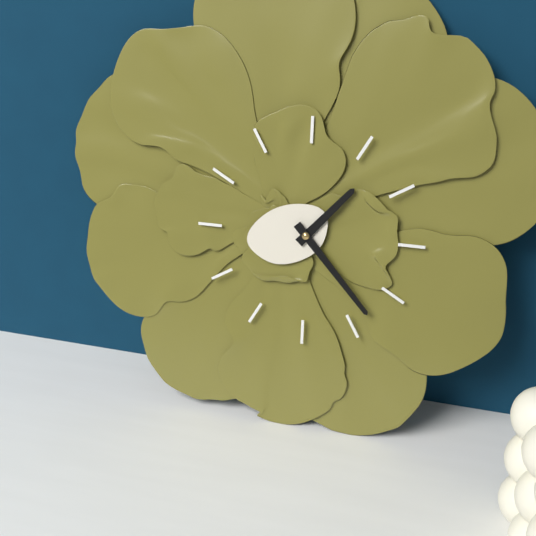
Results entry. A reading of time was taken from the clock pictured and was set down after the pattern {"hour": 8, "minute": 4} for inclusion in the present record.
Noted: {"hour": 1, "minute": 23}
